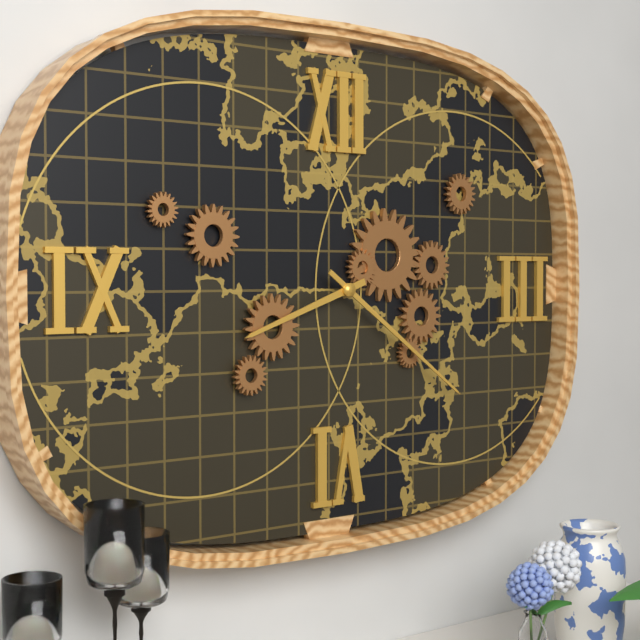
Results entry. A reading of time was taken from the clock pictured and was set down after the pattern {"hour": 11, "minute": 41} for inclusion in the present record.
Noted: {"hour": 8, "minute": 21}
